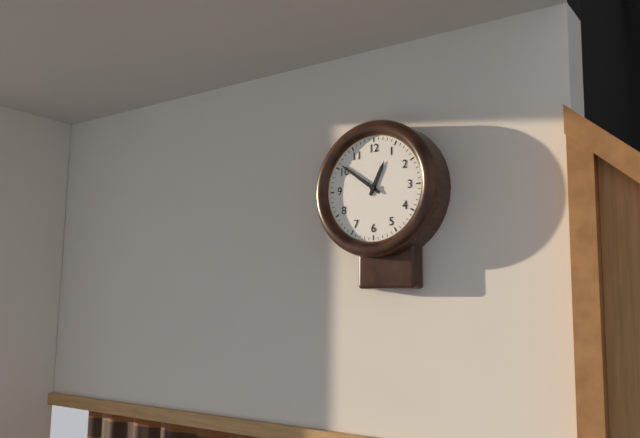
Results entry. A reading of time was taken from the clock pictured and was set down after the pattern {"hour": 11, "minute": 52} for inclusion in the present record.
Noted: {"hour": 12, "minute": 51}
